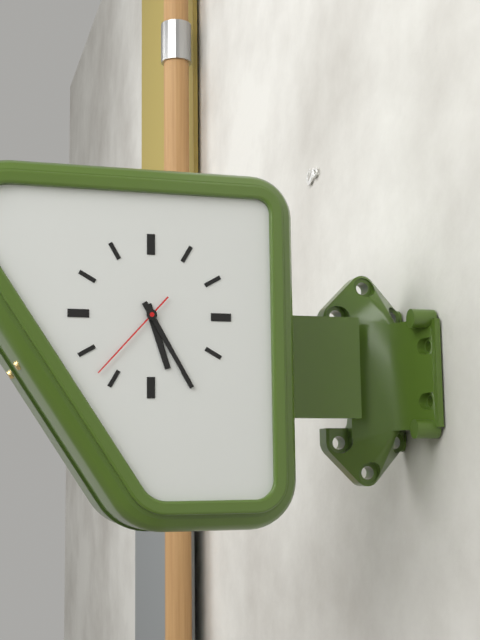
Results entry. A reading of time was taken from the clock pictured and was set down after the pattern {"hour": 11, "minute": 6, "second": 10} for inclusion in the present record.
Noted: {"hour": 5, "minute": 25, "second": 37}
